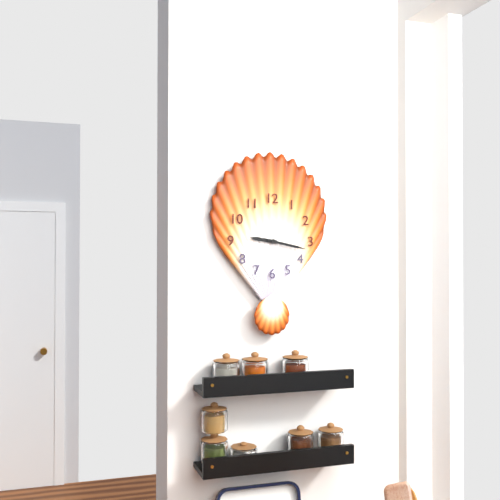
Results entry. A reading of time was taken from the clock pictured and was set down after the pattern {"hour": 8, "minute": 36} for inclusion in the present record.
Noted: {"hour": 9, "minute": 17}
